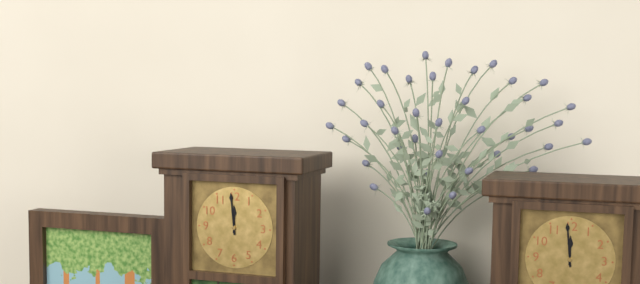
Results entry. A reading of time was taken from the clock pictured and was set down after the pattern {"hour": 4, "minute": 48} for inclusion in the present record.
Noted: {"hour": 11, "minute": 59}
